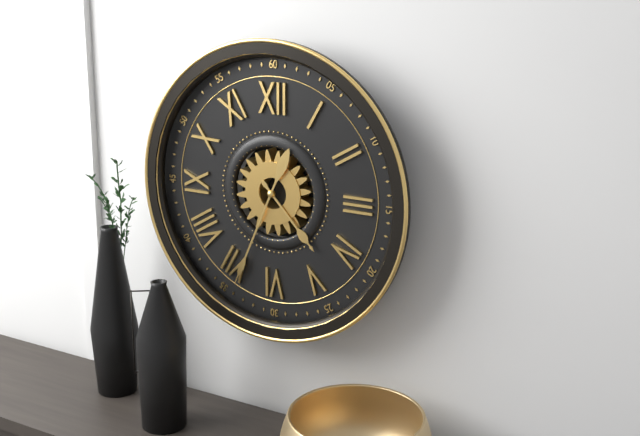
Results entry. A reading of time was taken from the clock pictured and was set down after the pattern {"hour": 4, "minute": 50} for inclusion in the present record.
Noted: {"hour": 4, "minute": 34}
